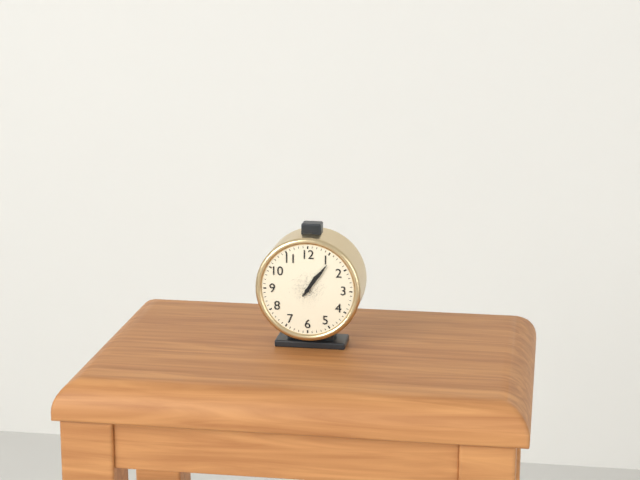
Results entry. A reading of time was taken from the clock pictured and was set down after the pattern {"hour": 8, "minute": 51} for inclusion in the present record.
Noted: {"hour": 1, "minute": 6}
